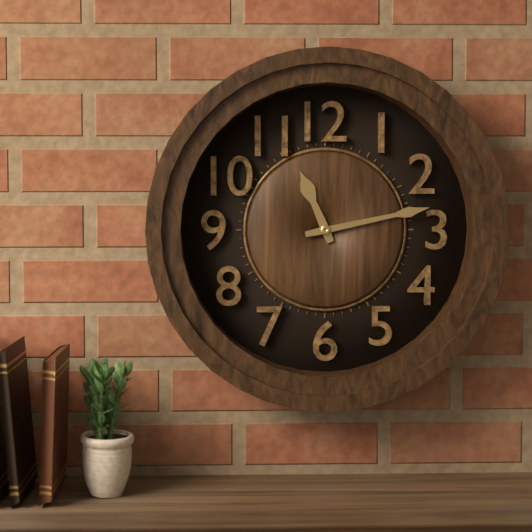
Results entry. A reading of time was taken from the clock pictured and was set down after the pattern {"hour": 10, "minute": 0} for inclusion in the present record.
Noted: {"hour": 11, "minute": 13}
